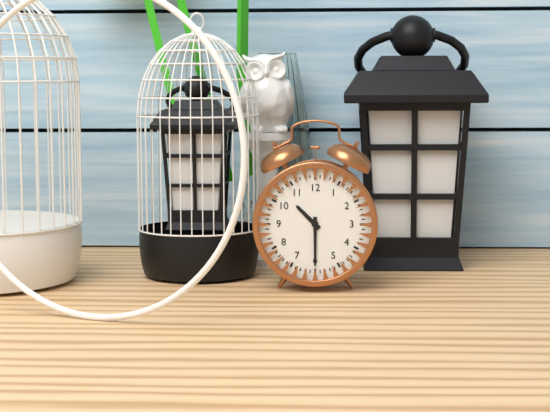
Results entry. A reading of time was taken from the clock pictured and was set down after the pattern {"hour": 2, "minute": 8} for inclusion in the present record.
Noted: {"hour": 10, "minute": 30}
